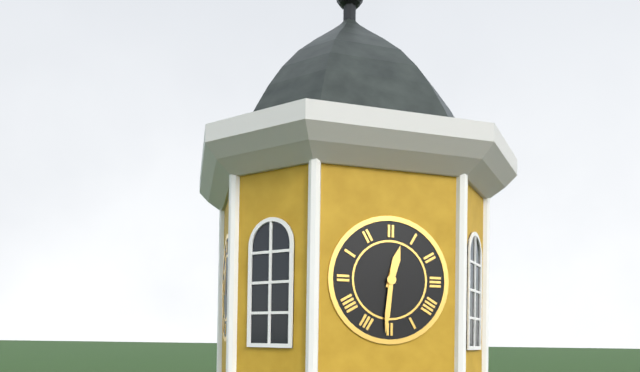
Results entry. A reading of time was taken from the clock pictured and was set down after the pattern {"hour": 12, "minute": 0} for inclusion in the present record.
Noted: {"hour": 12, "minute": 31}
